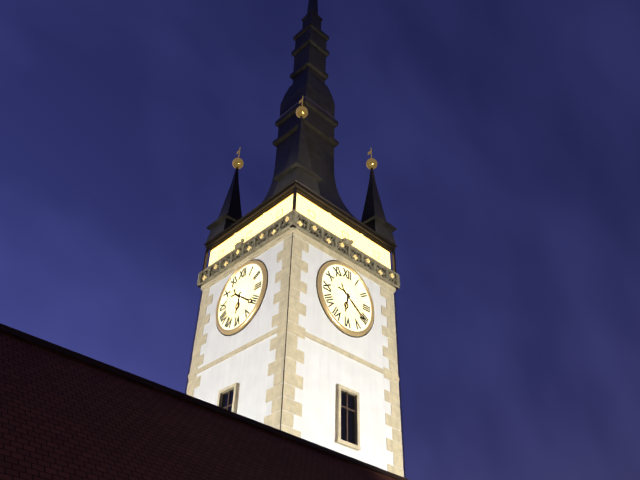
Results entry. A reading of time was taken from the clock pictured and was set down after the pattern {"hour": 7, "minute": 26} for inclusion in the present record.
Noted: {"hour": 6, "minute": 21}
